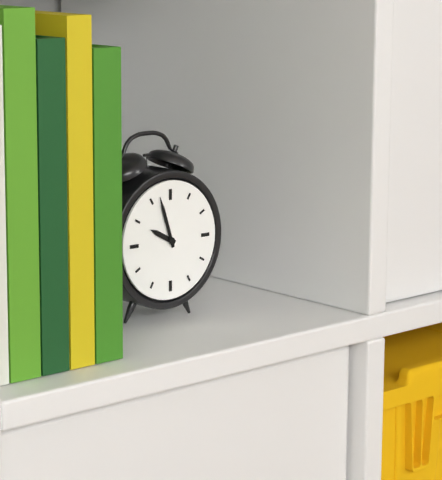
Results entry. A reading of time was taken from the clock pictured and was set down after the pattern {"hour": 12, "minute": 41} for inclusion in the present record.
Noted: {"hour": 9, "minute": 57}
